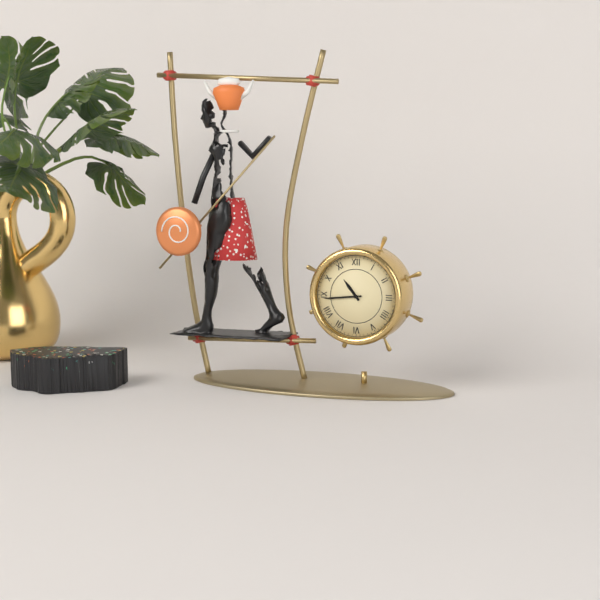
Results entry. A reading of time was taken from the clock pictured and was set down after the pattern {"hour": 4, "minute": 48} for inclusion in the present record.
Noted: {"hour": 10, "minute": 44}
